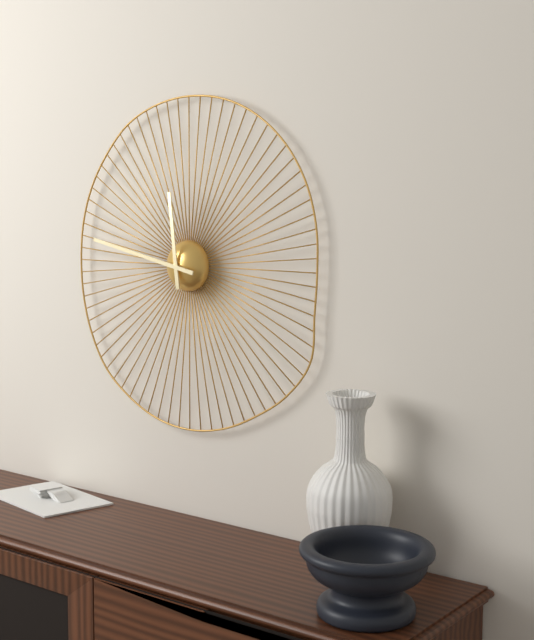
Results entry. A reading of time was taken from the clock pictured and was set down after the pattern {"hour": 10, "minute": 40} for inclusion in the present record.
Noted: {"hour": 11, "minute": 47}
